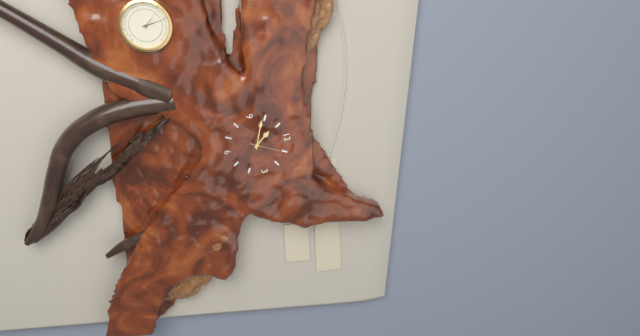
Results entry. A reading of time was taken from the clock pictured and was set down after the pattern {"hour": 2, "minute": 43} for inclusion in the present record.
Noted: {"hour": 10, "minute": 49}
